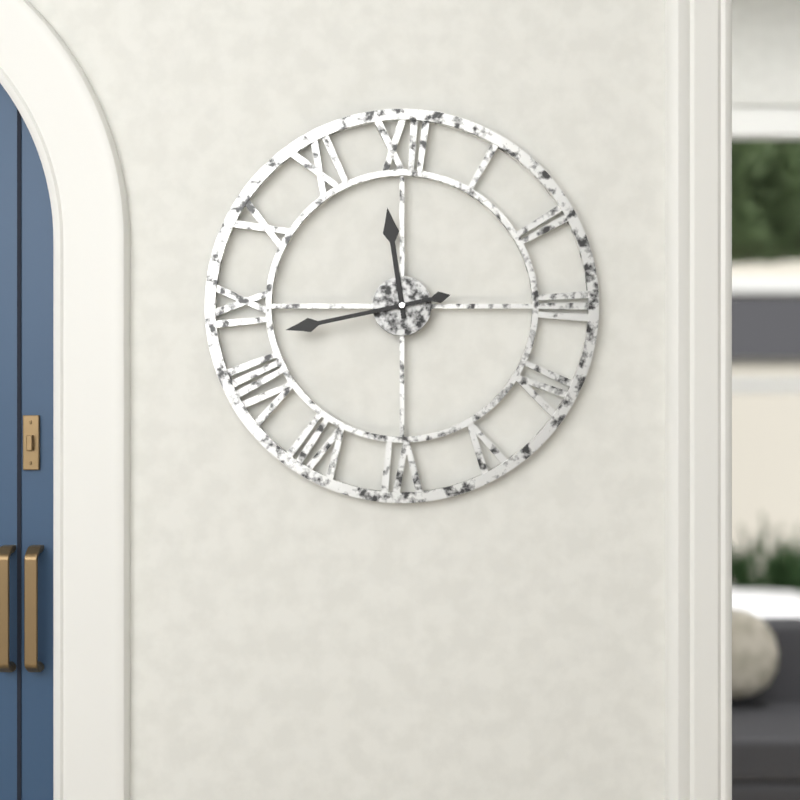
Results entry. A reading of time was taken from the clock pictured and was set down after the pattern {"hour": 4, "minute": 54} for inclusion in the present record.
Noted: {"hour": 11, "minute": 43}
